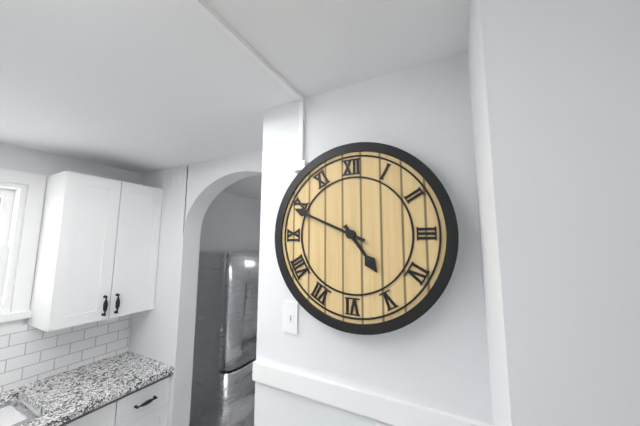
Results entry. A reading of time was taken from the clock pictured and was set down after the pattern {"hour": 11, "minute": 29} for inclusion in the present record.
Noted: {"hour": 4, "minute": 49}
